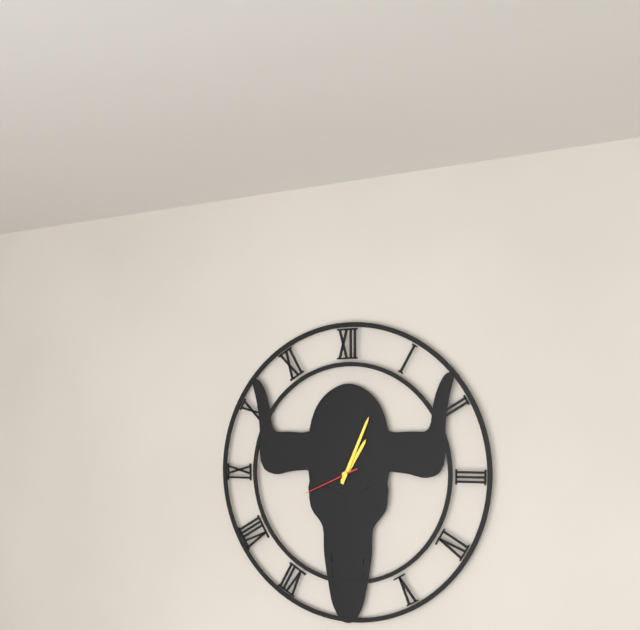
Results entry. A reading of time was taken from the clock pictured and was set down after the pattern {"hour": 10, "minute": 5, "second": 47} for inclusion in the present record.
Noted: {"hour": 1, "minute": 4, "second": 41}
